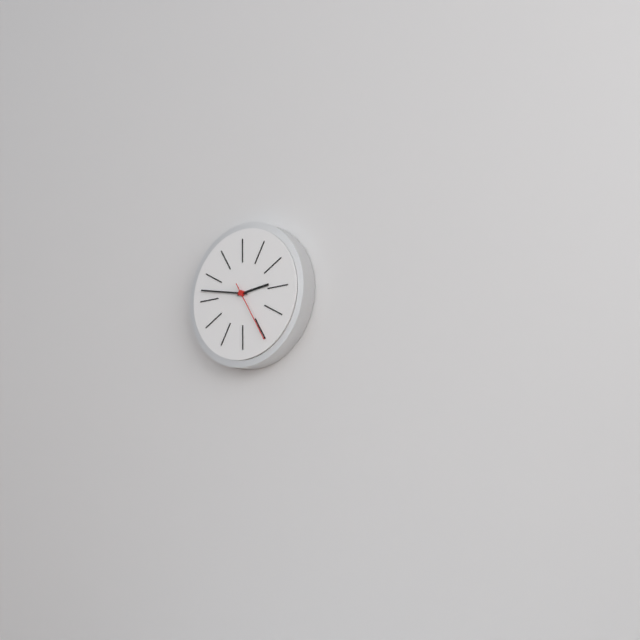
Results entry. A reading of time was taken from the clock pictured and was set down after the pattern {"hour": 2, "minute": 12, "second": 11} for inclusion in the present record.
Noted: {"hour": 2, "minute": 47, "second": 25}
